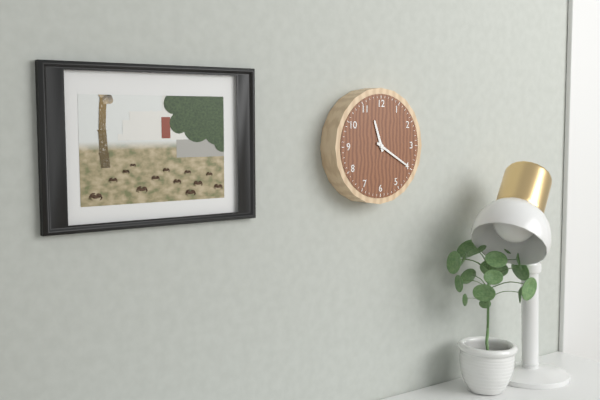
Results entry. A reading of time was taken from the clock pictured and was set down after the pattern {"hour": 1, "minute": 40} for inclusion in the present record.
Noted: {"hour": 11, "minute": 20}
